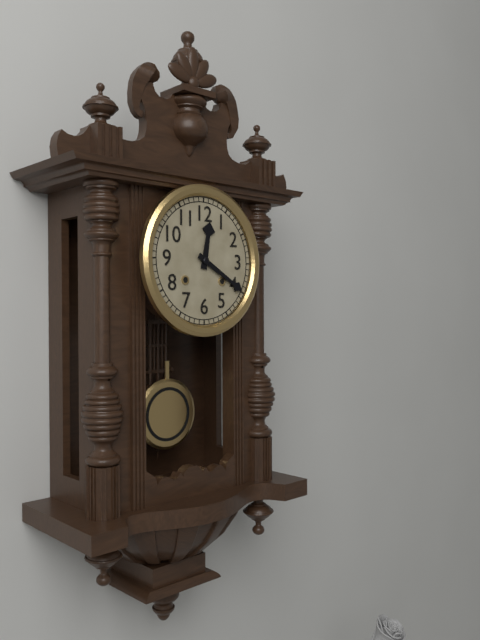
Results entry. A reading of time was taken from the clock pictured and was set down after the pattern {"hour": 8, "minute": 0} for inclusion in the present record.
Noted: {"hour": 12, "minute": 20}
